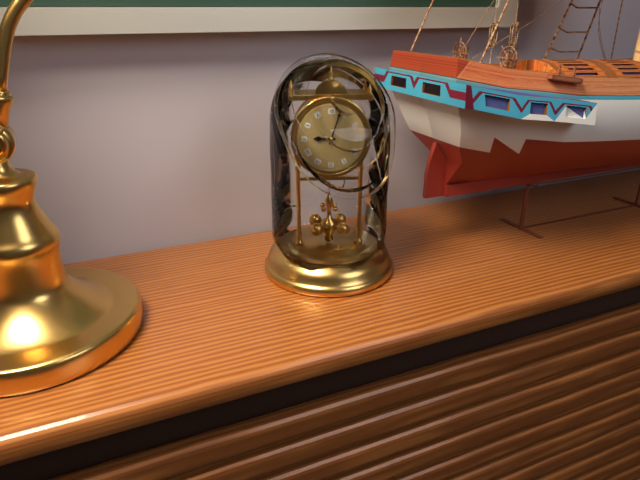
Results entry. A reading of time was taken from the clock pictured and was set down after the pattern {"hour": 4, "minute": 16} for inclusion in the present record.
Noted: {"hour": 9, "minute": 3}
